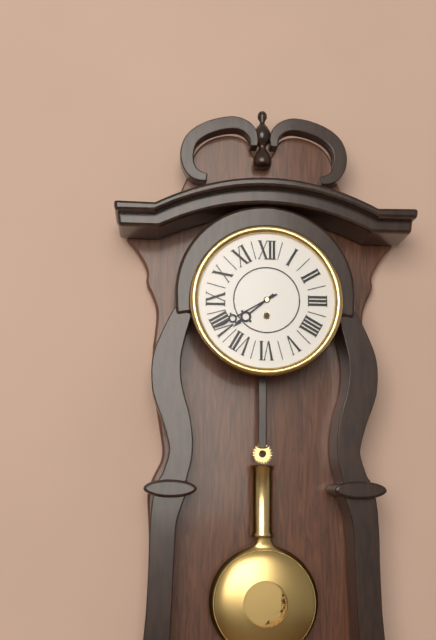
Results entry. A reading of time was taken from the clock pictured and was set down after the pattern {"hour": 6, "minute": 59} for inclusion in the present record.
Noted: {"hour": 7, "minute": 40}
